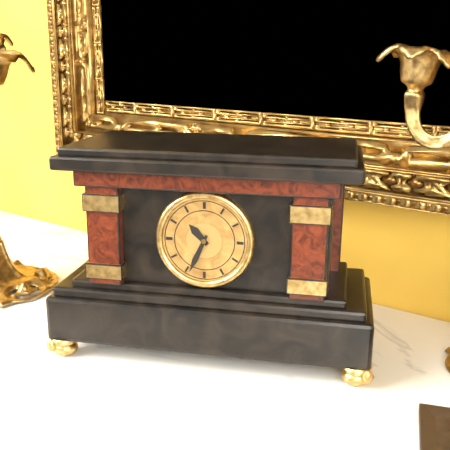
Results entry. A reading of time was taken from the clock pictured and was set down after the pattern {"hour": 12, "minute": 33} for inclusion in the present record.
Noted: {"hour": 10, "minute": 34}
